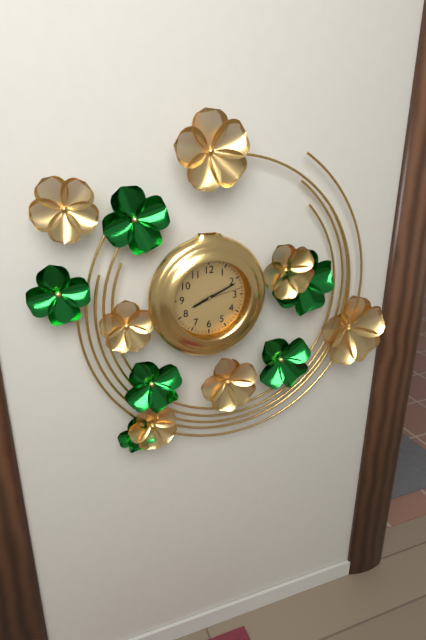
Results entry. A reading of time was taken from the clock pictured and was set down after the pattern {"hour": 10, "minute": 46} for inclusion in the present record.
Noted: {"hour": 8, "minute": 11}
